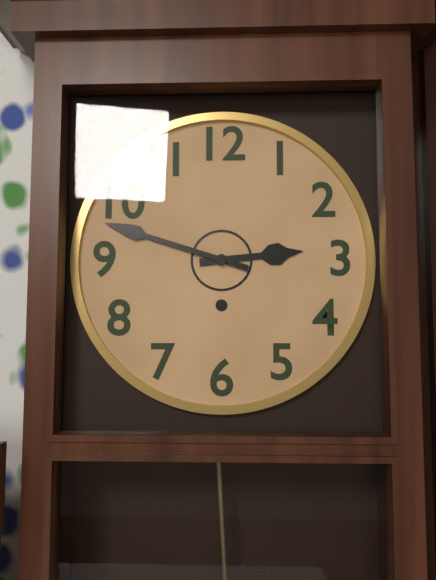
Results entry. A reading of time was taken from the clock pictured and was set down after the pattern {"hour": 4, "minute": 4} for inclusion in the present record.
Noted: {"hour": 2, "minute": 48}
